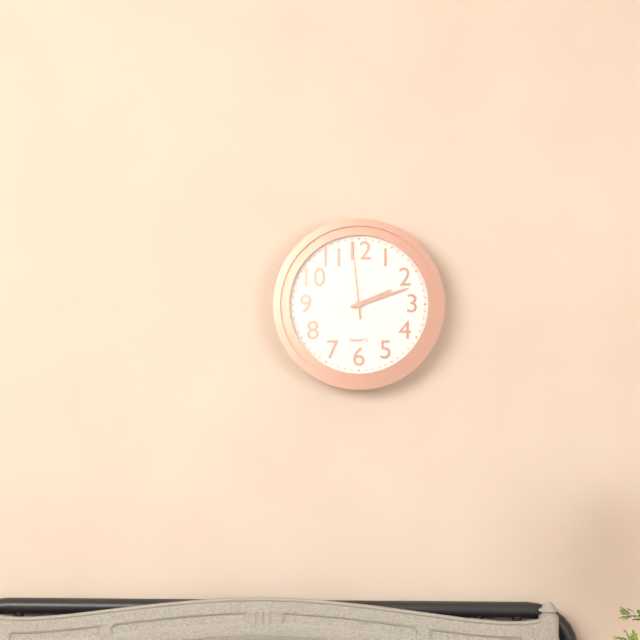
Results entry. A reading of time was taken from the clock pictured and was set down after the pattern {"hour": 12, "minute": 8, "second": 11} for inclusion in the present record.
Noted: {"hour": 2, "minute": 12, "second": 59}
